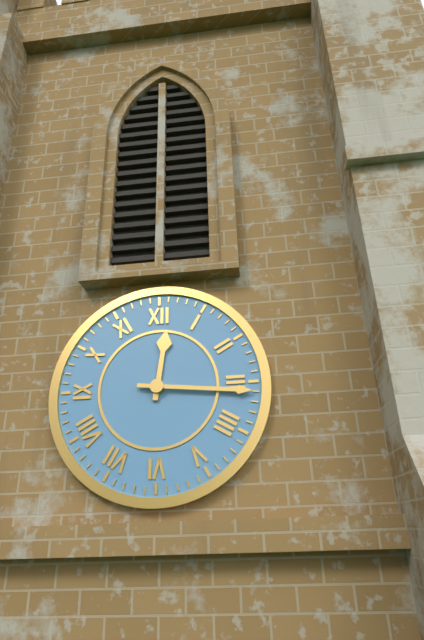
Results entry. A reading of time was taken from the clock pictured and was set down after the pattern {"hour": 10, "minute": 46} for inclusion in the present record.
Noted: {"hour": 12, "minute": 16}
